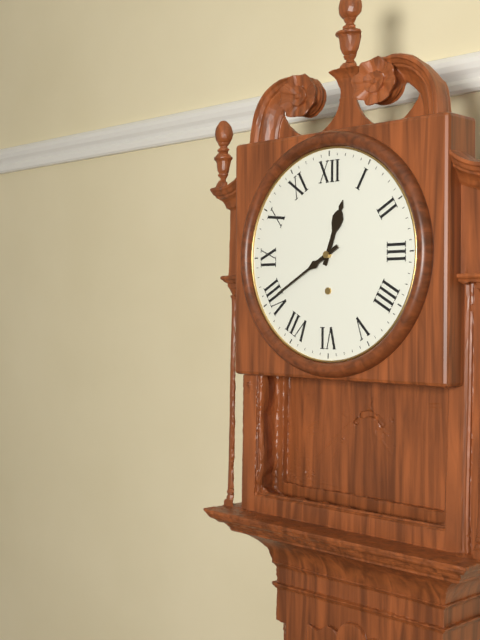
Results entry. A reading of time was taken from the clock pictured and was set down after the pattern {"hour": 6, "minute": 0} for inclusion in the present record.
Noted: {"hour": 12, "minute": 40}
